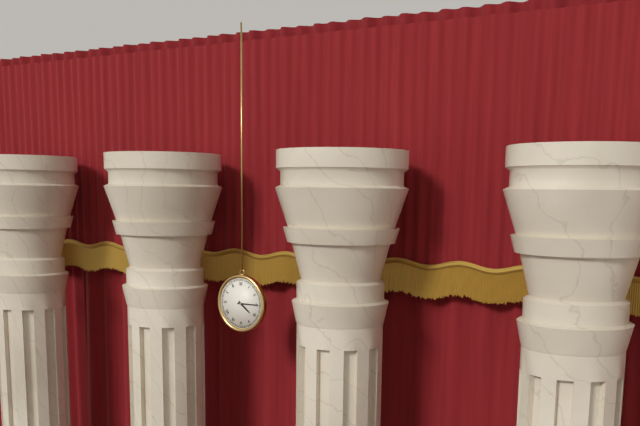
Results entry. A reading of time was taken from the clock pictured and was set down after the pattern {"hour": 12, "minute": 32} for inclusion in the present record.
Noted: {"hour": 4, "minute": 15}
